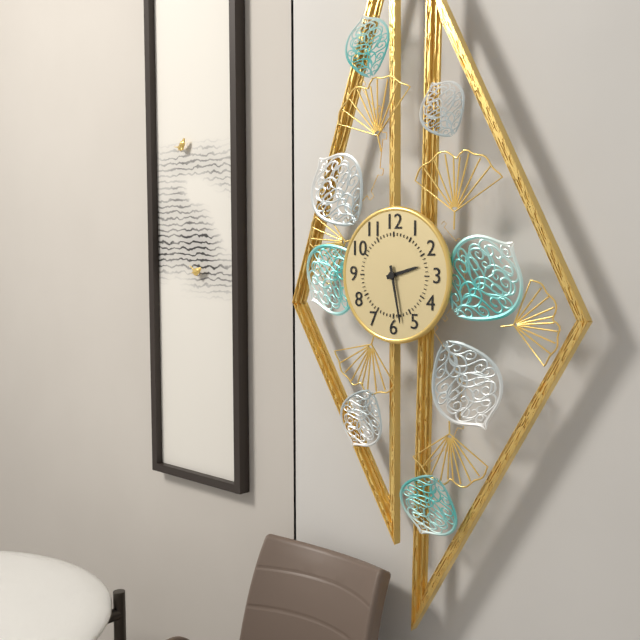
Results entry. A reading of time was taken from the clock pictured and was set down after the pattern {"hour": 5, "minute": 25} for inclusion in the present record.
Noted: {"hour": 2, "minute": 28}
